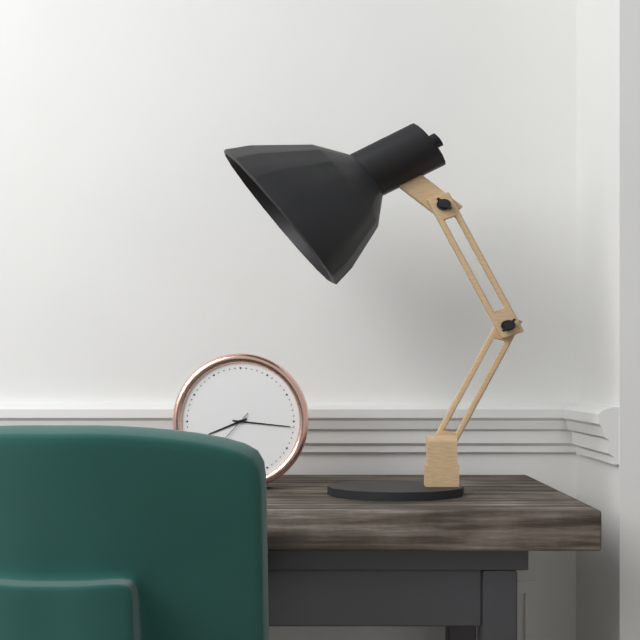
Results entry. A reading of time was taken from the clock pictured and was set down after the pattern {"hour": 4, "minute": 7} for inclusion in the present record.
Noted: {"hour": 8, "minute": 16}
